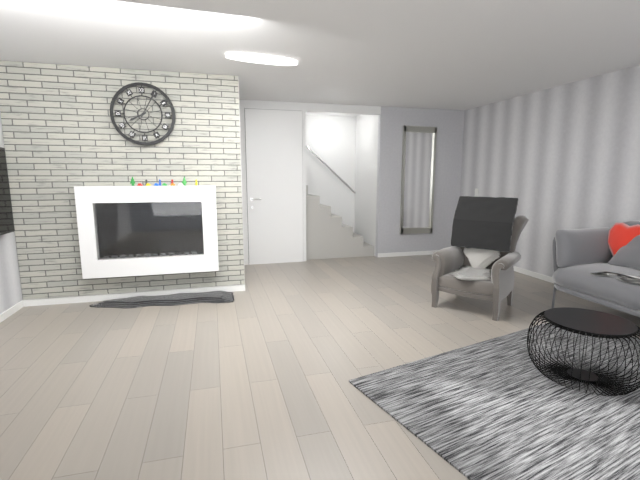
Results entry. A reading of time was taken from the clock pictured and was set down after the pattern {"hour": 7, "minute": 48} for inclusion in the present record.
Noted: {"hour": 8, "minute": 5}
